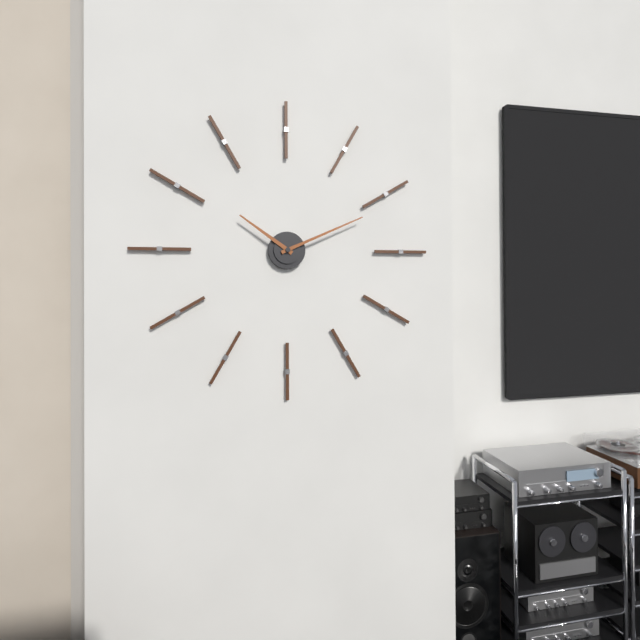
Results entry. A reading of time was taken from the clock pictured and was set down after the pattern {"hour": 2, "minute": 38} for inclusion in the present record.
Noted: {"hour": 10, "minute": 11}
